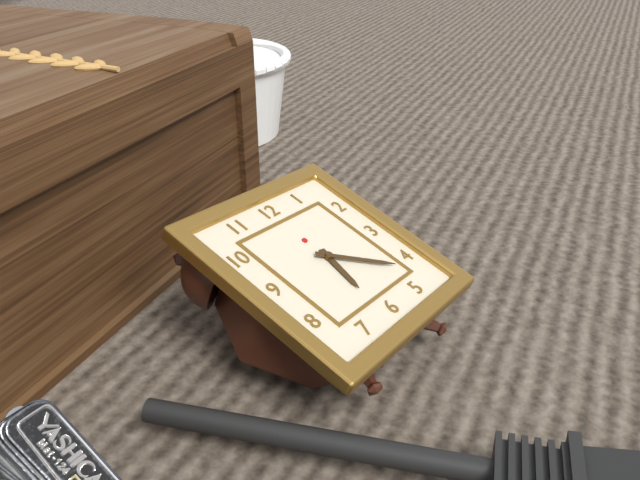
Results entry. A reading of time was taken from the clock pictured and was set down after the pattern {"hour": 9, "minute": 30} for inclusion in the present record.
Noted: {"hour": 6, "minute": 22}
